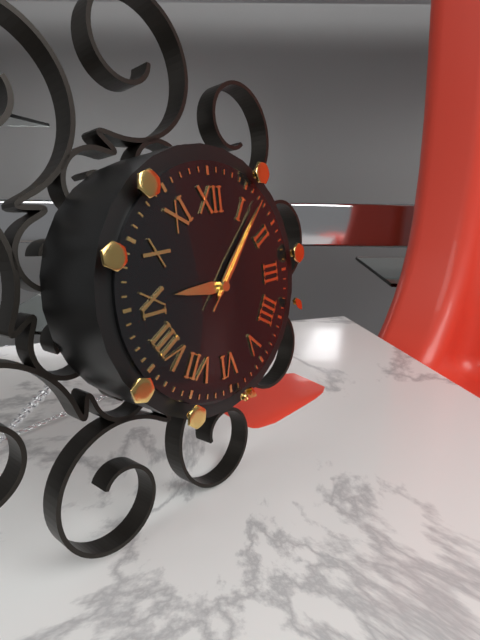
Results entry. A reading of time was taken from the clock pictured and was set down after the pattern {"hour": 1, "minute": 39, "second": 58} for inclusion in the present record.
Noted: {"hour": 9, "minute": 7, "second": 7}
